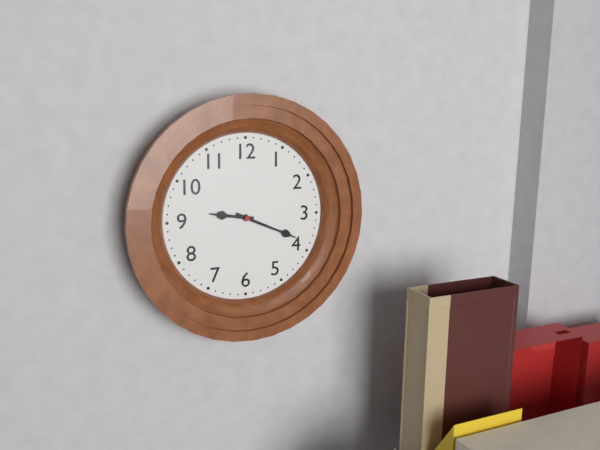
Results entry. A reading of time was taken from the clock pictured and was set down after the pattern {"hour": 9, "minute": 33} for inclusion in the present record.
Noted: {"hour": 9, "minute": 19}
